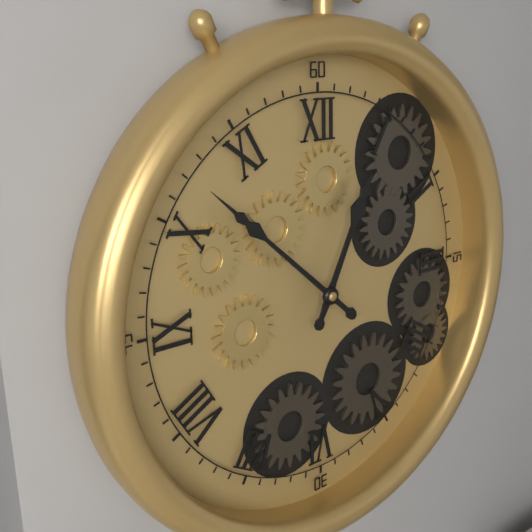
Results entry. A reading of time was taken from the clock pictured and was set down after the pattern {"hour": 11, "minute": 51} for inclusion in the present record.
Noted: {"hour": 12, "minute": 52}
